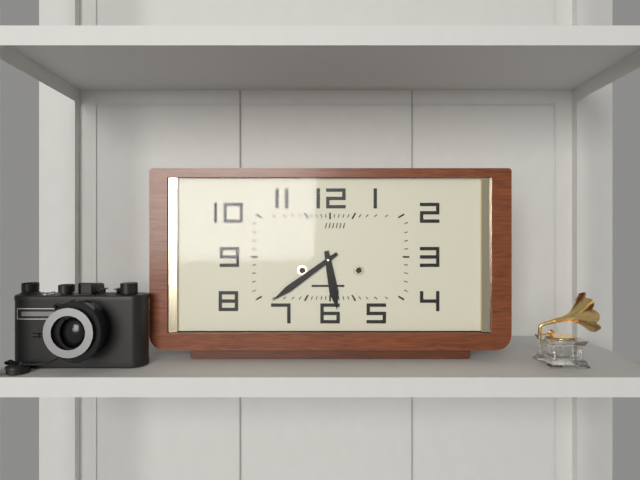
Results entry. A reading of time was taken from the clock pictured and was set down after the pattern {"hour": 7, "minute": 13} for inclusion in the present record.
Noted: {"hour": 5, "minute": 39}
